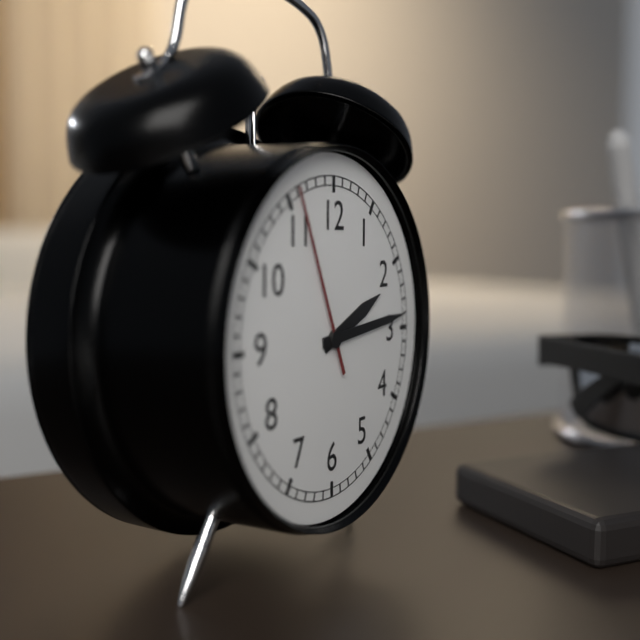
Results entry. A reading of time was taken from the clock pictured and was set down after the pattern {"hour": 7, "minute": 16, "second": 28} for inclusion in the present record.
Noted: {"hour": 2, "minute": 14, "second": 56}
